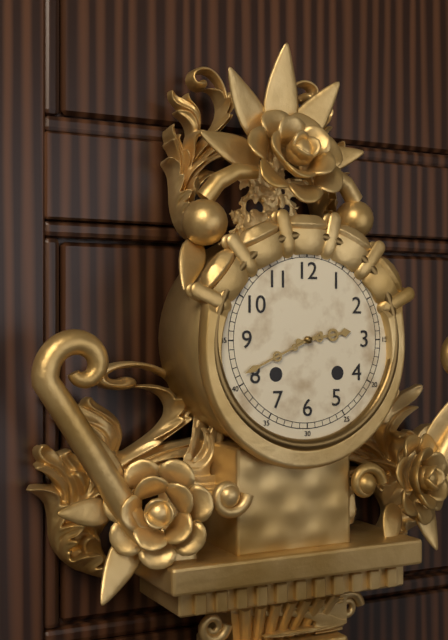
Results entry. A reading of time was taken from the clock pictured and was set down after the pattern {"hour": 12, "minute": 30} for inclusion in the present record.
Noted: {"hour": 2, "minute": 41}
